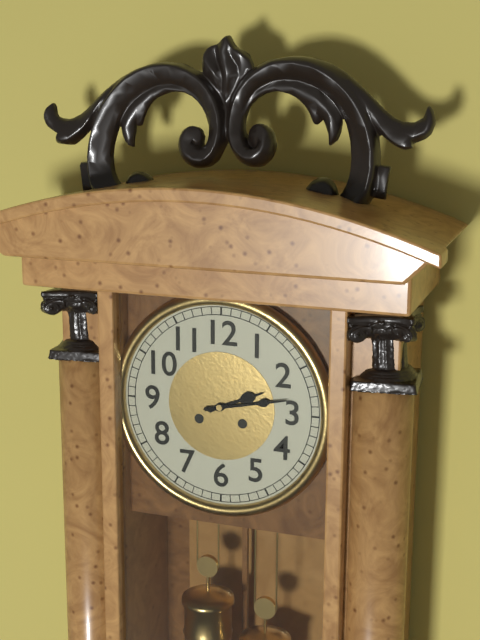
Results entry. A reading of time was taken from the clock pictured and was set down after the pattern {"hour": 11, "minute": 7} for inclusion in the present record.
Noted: {"hour": 2, "minute": 13}
